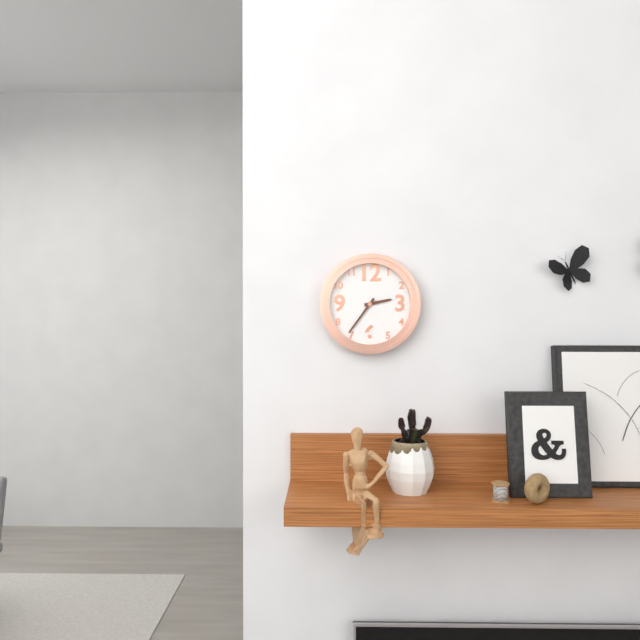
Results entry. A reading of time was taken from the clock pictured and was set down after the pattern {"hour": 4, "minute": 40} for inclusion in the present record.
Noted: {"hour": 2, "minute": 36}
